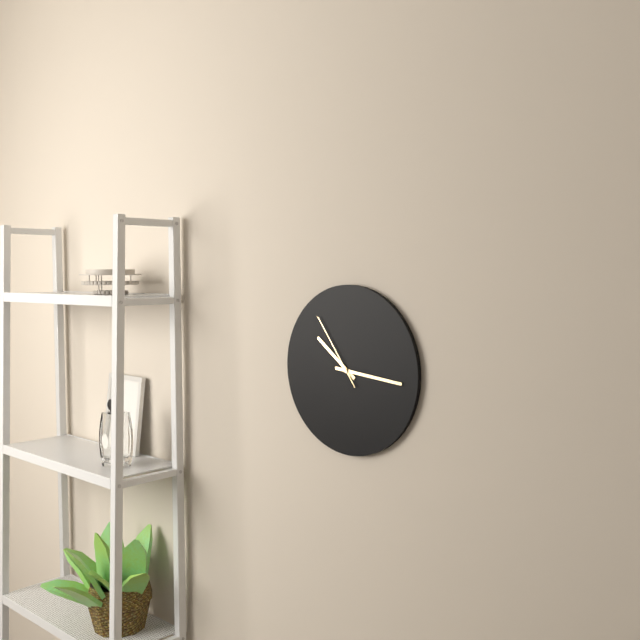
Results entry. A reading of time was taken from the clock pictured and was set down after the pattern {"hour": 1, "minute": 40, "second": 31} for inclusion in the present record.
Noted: {"hour": 10, "minute": 16, "second": 54}
